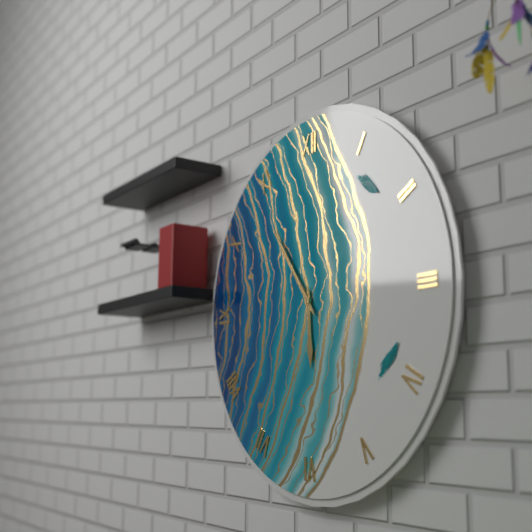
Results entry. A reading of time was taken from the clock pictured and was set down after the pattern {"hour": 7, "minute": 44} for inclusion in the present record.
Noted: {"hour": 5, "minute": 54}
